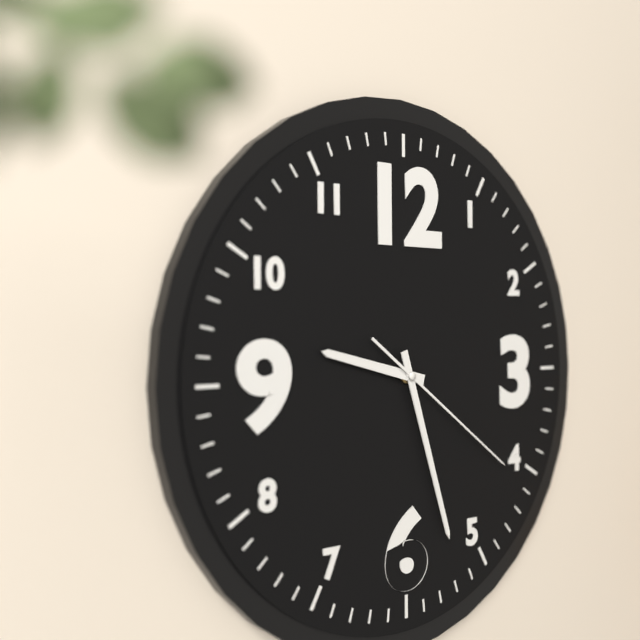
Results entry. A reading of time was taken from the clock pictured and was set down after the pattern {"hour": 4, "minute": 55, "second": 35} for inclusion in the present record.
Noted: {"hour": 9, "minute": 27, "second": 21}
